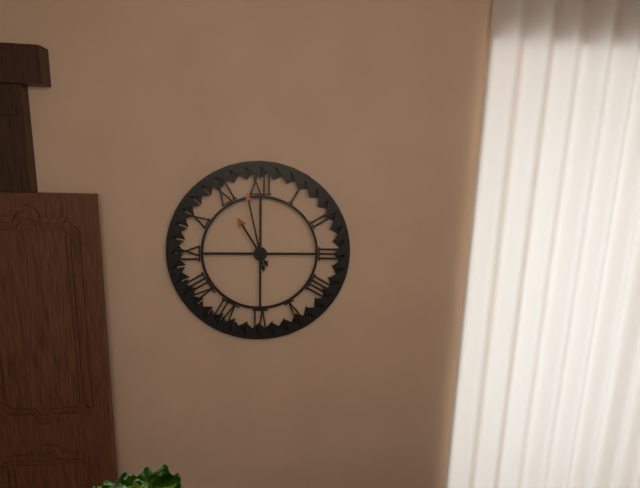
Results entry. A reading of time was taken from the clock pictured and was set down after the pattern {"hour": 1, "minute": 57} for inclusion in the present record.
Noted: {"hour": 10, "minute": 58}
